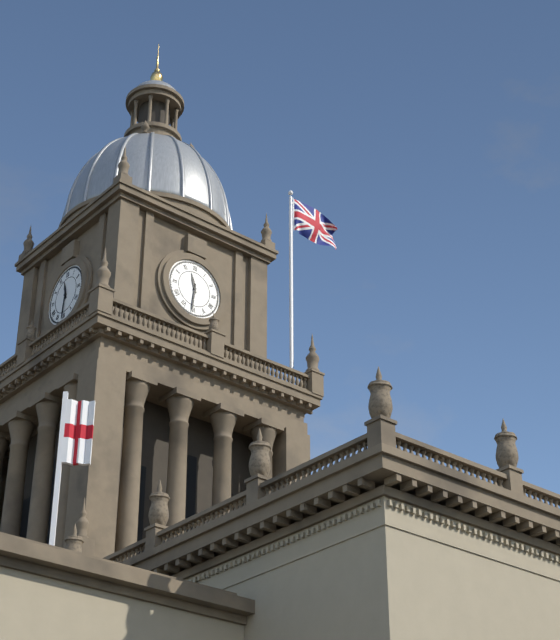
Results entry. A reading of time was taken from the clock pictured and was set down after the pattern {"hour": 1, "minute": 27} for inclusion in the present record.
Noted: {"hour": 11, "minute": 31}
